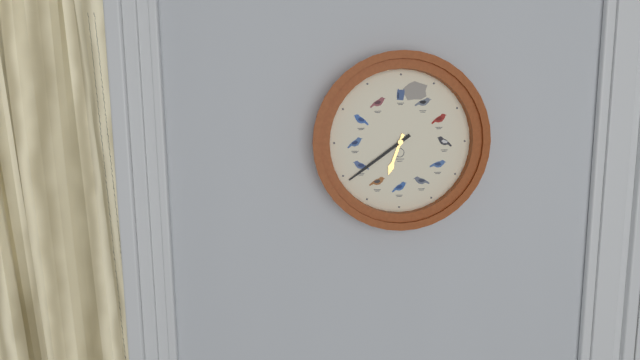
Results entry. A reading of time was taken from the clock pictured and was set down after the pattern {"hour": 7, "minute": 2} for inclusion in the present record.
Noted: {"hour": 6, "minute": 39}
